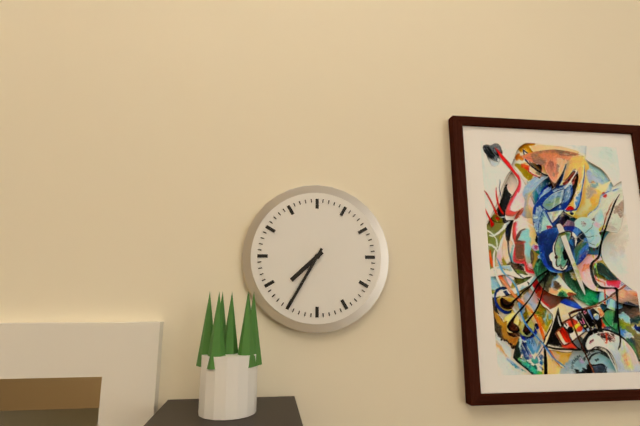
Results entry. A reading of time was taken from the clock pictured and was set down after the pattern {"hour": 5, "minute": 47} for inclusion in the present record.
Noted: {"hour": 7, "minute": 35}
